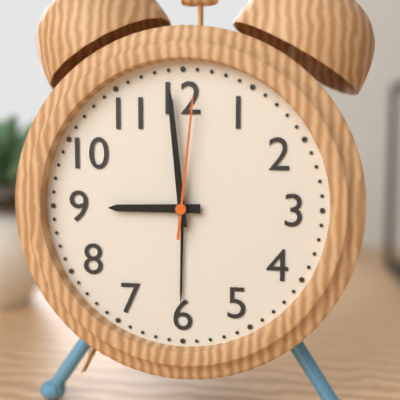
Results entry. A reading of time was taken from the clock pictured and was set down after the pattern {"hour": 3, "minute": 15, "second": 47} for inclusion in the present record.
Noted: {"hour": 8, "minute": 59, "second": 1}
